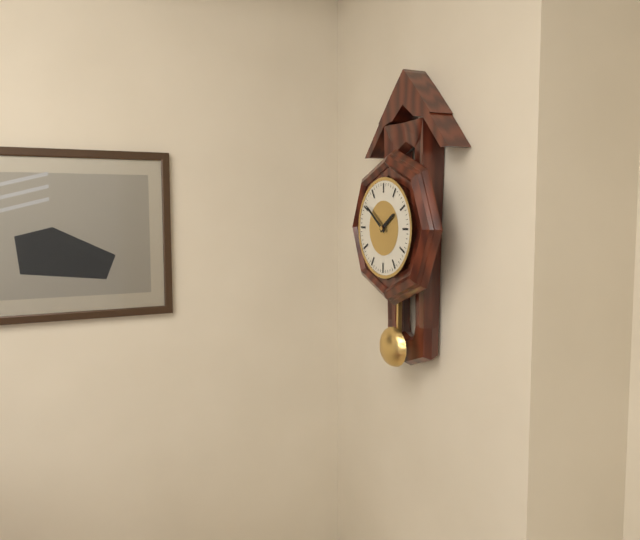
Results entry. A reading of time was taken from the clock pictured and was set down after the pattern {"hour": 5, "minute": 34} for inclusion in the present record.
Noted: {"hour": 1, "minute": 51}
